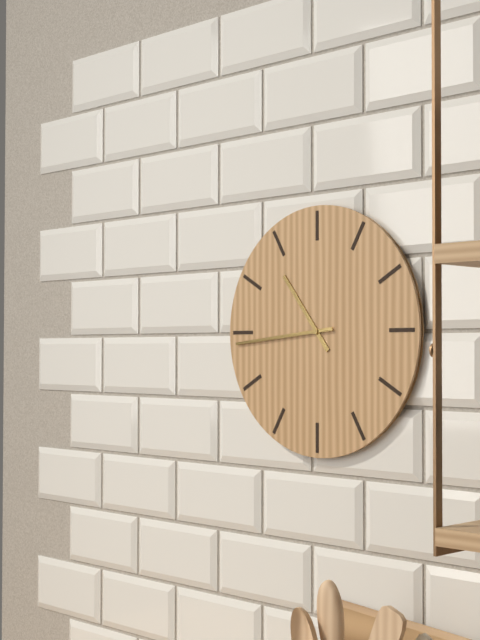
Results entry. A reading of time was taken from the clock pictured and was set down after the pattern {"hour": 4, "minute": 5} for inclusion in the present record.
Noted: {"hour": 10, "minute": 44}
